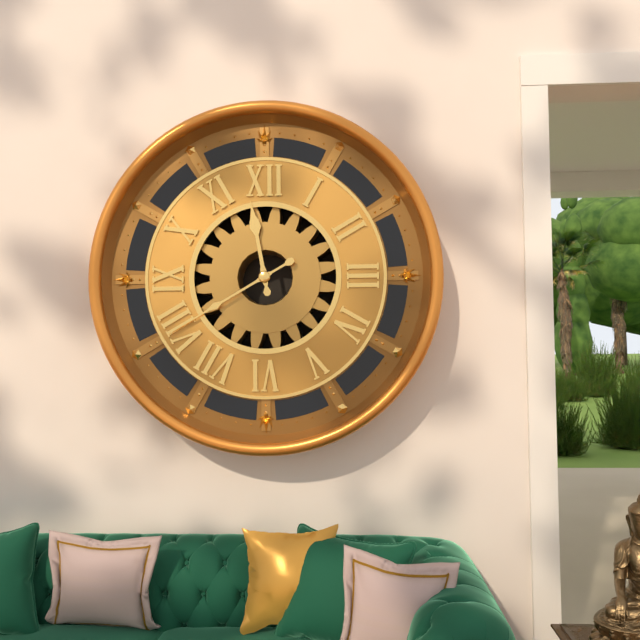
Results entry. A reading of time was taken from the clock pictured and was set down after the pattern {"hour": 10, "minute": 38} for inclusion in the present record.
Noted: {"hour": 11, "minute": 40}
